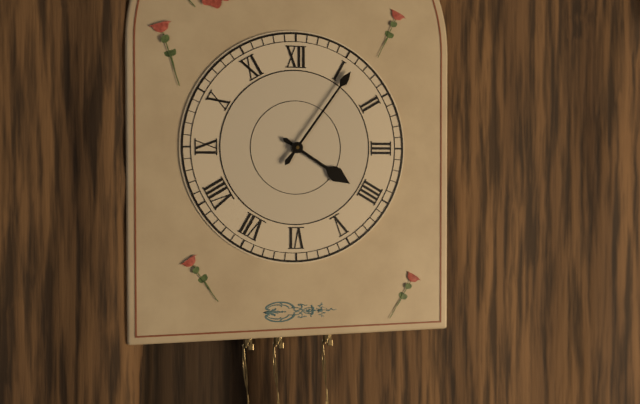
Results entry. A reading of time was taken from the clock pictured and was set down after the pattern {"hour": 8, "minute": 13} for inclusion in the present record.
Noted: {"hour": 4, "minute": 6}
